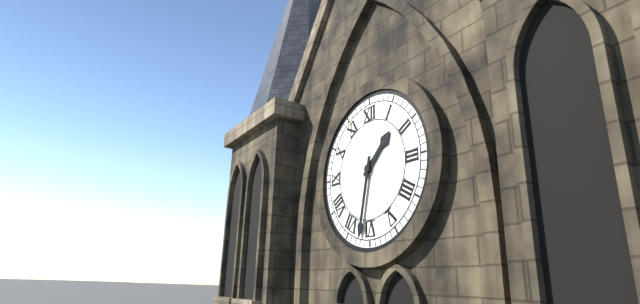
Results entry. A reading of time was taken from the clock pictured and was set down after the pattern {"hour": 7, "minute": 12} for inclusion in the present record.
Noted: {"hour": 1, "minute": 32}
